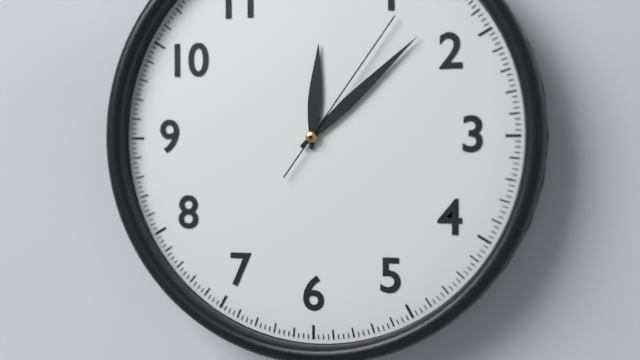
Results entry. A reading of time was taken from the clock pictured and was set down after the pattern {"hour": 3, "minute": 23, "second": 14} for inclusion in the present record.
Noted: {"hour": 12, "minute": 8, "second": 6}
